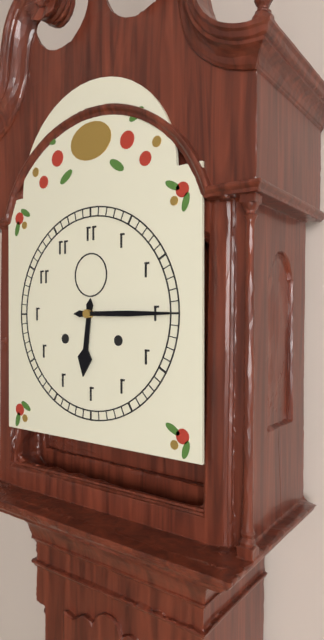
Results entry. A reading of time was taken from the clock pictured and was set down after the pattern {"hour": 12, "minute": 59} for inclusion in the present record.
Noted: {"hour": 6, "minute": 15}
